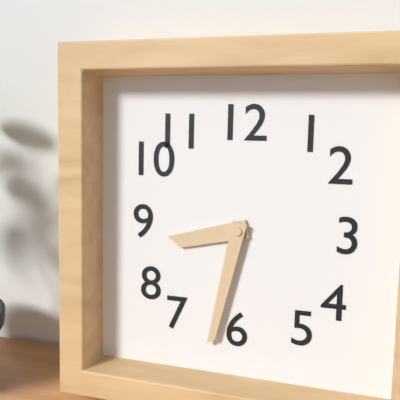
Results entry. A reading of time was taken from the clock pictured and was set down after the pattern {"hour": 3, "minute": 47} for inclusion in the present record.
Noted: {"hour": 8, "minute": 32}
